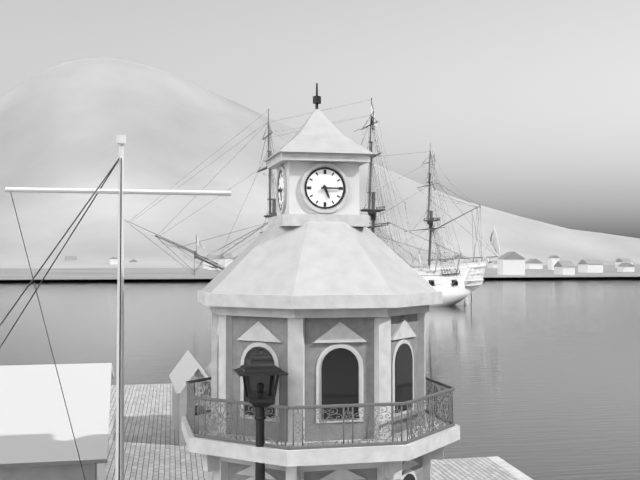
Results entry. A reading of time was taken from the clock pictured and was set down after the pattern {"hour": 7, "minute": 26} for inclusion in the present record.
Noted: {"hour": 5, "minute": 15}
